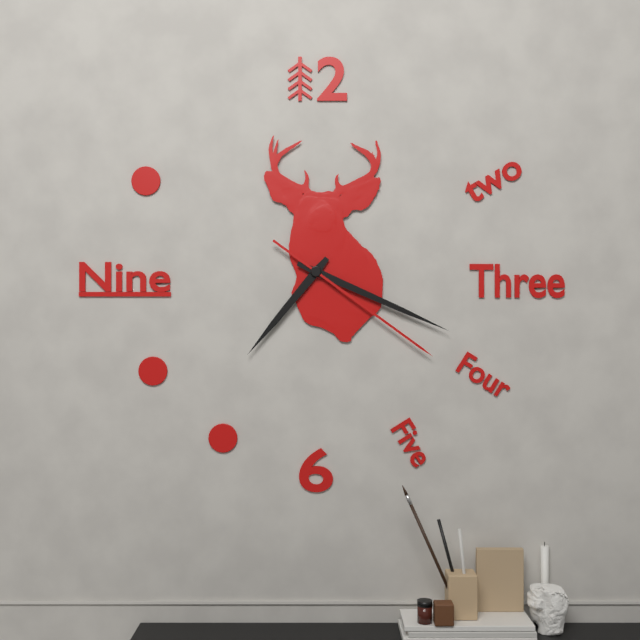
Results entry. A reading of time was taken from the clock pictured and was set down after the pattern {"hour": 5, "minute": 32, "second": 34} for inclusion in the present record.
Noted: {"hour": 7, "minute": 19, "second": 21}
